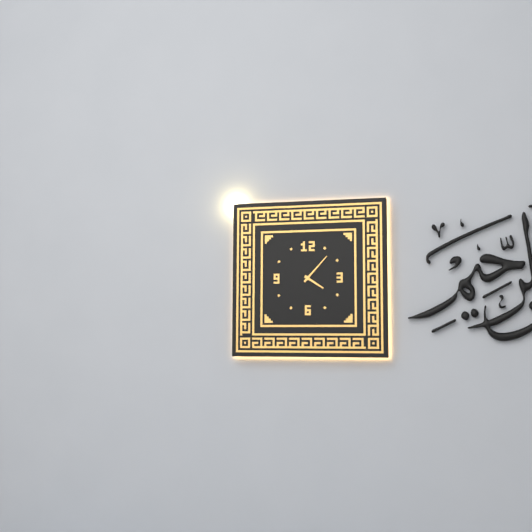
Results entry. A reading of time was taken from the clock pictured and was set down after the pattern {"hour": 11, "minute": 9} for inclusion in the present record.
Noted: {"hour": 4, "minute": 7}
